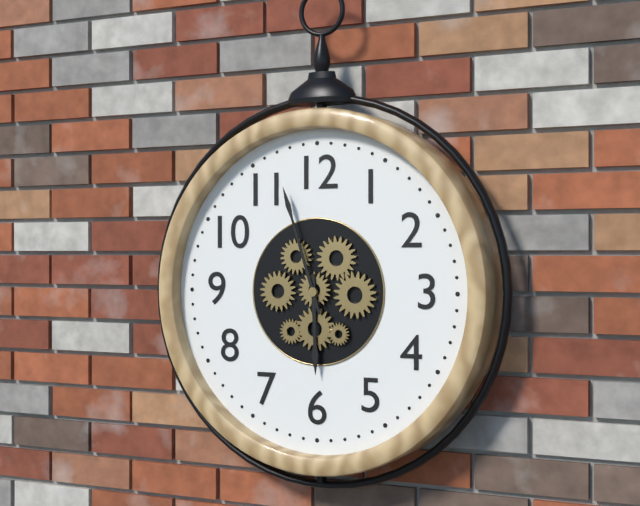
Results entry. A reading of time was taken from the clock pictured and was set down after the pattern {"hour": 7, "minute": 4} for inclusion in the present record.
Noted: {"hour": 5, "minute": 57}
